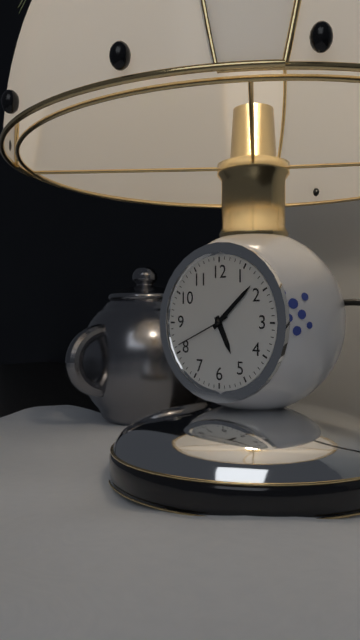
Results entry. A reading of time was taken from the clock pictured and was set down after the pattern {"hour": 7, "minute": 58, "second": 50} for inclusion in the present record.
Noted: {"hour": 5, "minute": 8, "second": 41}
